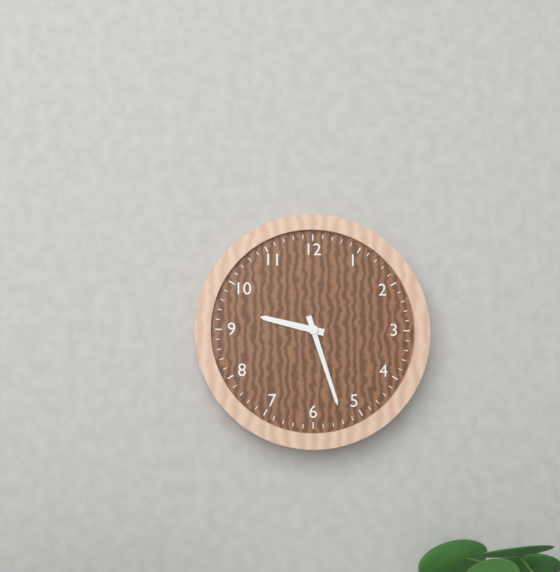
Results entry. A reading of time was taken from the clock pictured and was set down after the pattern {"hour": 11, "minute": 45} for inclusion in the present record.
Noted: {"hour": 9, "minute": 27}
